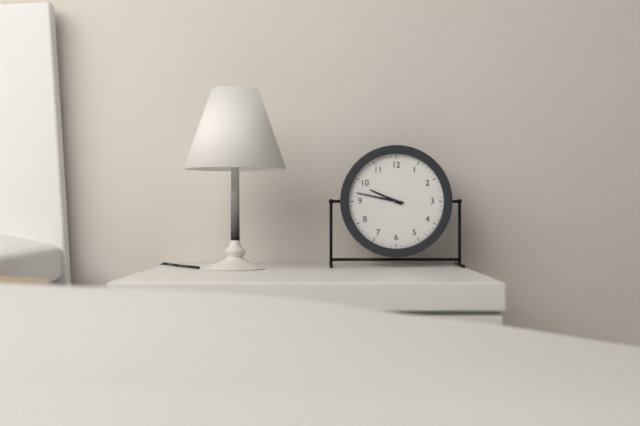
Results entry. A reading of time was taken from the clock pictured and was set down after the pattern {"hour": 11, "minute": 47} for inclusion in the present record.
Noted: {"hour": 9, "minute": 47}
